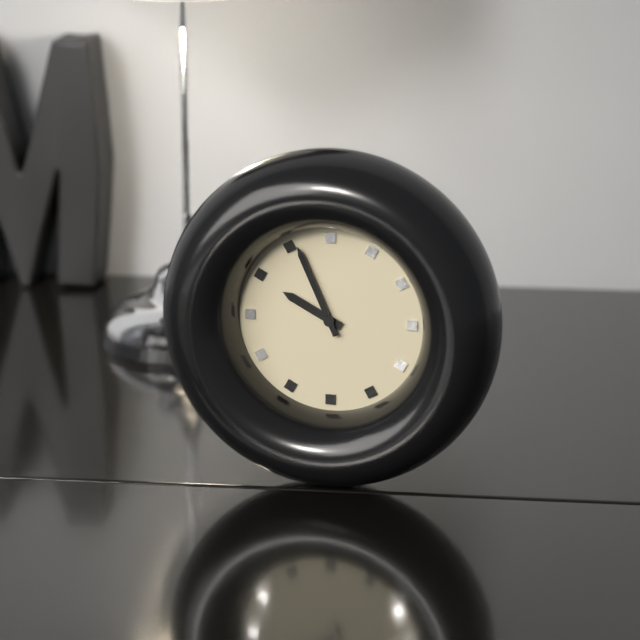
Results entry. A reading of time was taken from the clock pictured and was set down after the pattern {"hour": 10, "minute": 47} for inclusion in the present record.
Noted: {"hour": 9, "minute": 56}
